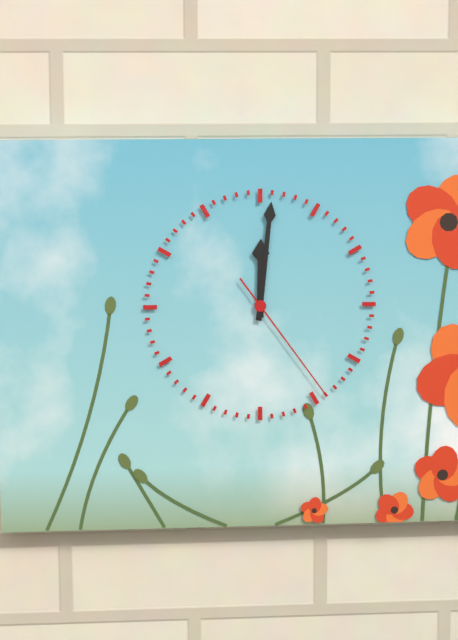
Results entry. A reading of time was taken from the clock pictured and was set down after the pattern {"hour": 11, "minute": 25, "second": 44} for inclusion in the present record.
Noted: {"hour": 12, "minute": 1, "second": 24}
